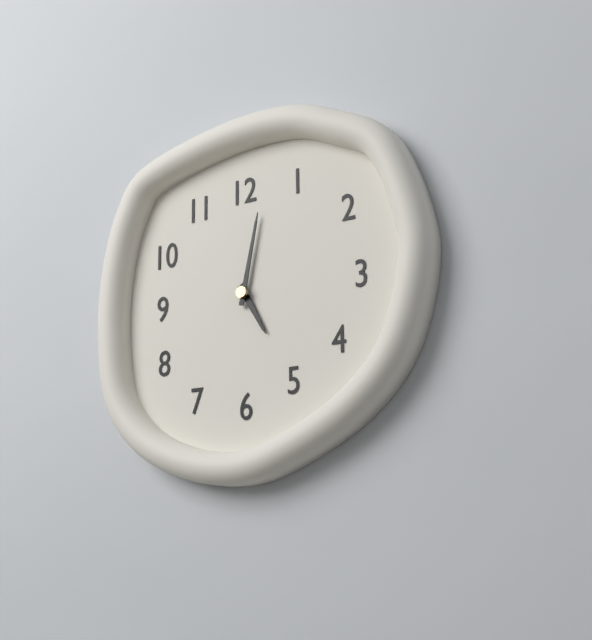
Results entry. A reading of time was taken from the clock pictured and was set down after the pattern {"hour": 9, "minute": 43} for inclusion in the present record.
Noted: {"hour": 5, "minute": 2}
